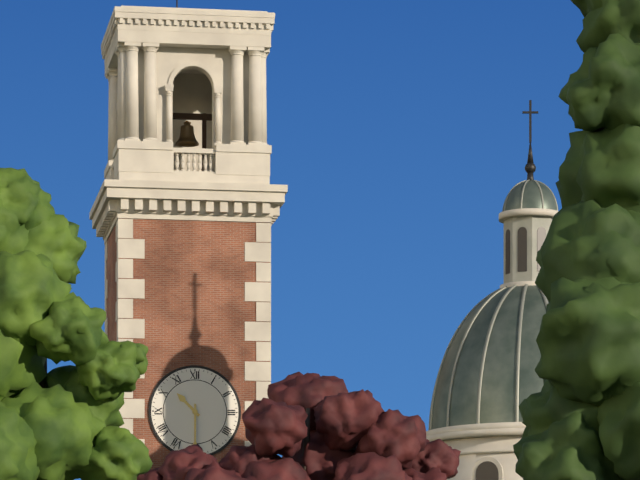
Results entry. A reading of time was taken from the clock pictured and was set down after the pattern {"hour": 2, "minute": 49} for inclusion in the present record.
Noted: {"hour": 10, "minute": 30}
